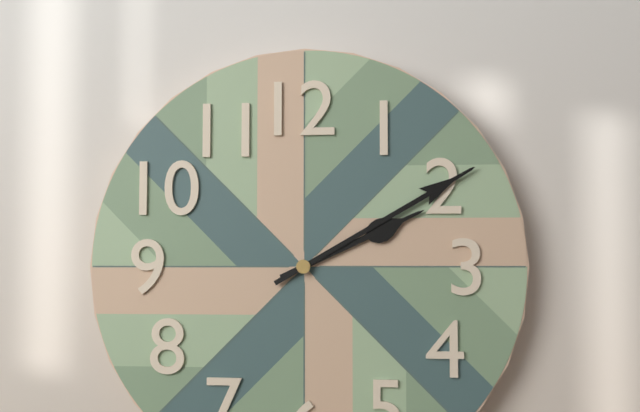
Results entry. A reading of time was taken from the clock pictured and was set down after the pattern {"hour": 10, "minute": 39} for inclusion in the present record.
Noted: {"hour": 2, "minute": 10}
